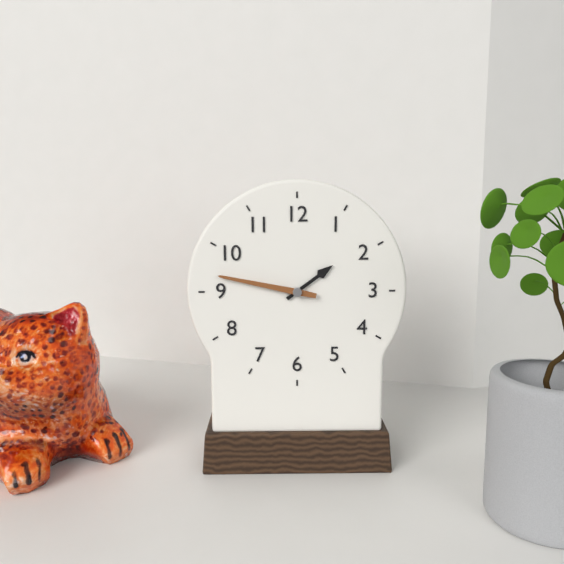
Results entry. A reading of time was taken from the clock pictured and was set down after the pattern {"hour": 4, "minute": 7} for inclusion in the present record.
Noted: {"hour": 1, "minute": 47}
